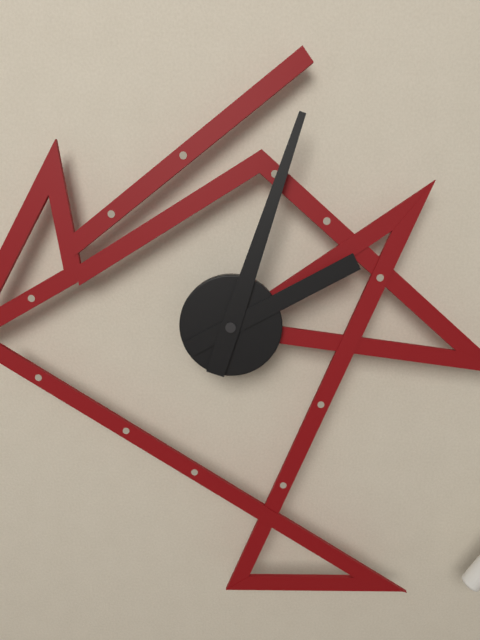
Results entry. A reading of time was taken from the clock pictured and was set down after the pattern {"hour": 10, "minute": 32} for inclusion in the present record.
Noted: {"hour": 2, "minute": 3}
